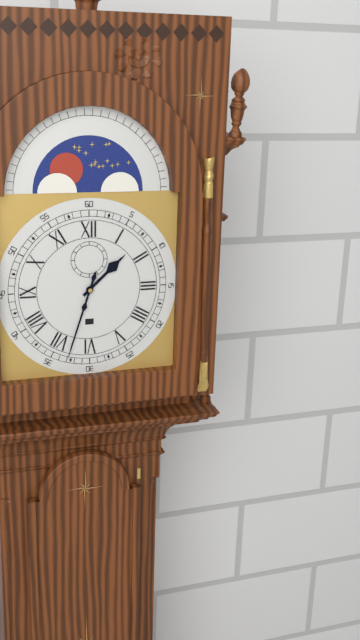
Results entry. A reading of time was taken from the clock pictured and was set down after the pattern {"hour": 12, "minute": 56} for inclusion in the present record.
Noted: {"hour": 1, "minute": 33}
